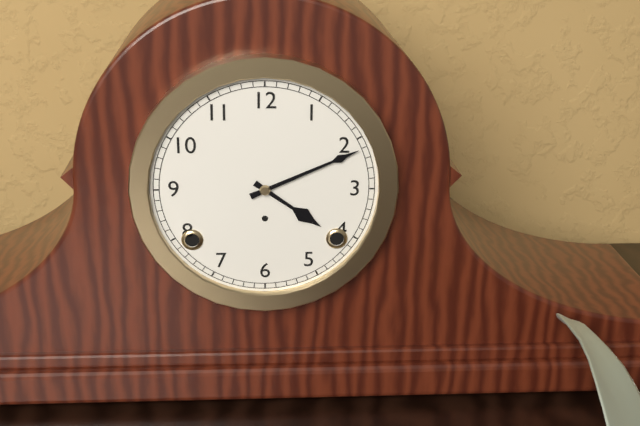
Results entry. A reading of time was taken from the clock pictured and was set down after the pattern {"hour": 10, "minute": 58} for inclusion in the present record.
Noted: {"hour": 4, "minute": 11}
